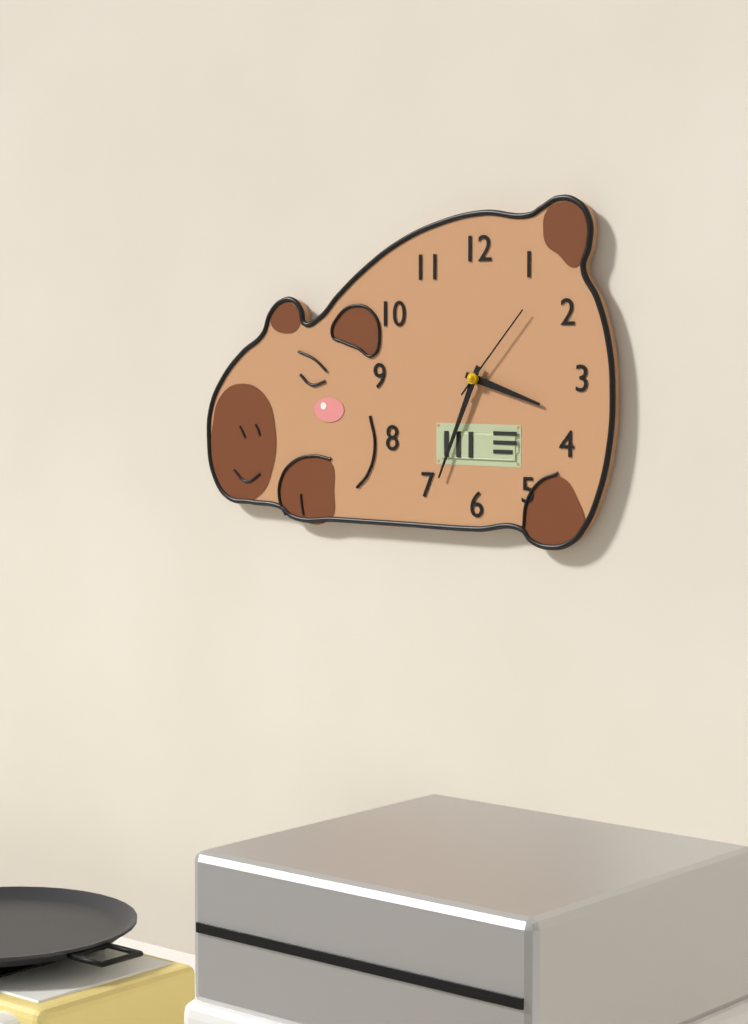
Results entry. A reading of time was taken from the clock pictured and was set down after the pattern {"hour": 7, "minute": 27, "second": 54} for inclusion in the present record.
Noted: {"hour": 3, "minute": 34, "second": 7}
